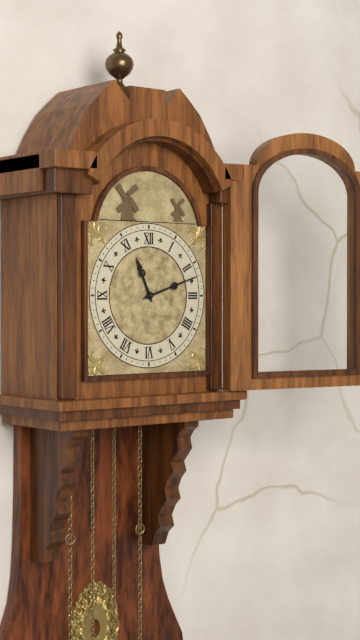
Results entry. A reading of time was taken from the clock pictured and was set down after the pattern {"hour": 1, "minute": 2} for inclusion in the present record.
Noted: {"hour": 11, "minute": 12}
